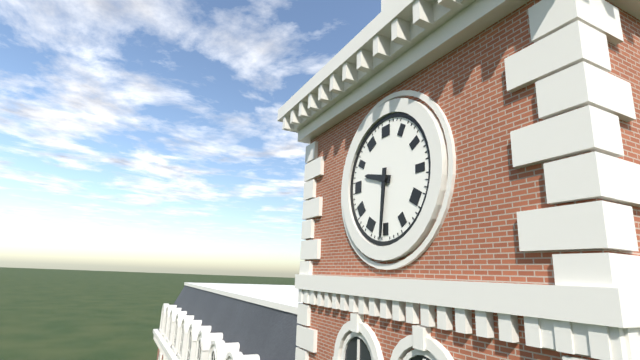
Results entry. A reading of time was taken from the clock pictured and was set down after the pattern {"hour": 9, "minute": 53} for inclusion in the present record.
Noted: {"hour": 9, "minute": 31}
